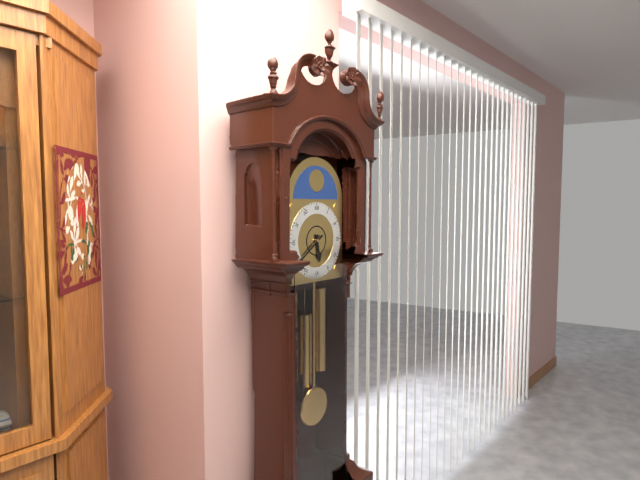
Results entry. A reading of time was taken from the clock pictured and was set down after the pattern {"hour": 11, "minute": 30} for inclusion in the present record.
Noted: {"hour": 5, "minute": 39}
